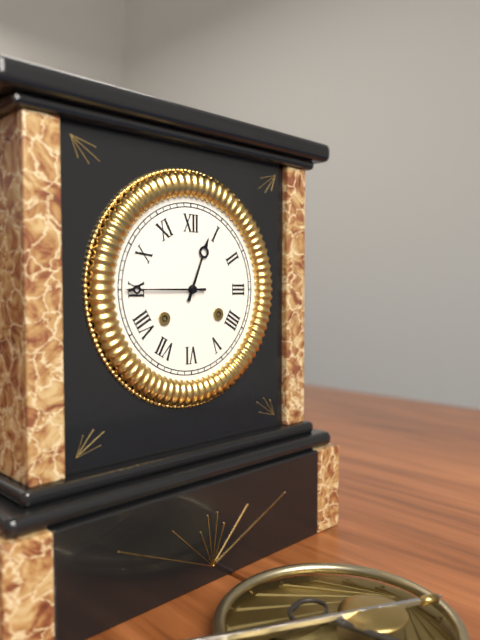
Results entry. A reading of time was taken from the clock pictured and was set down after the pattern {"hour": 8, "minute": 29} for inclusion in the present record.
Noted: {"hour": 12, "minute": 45}
